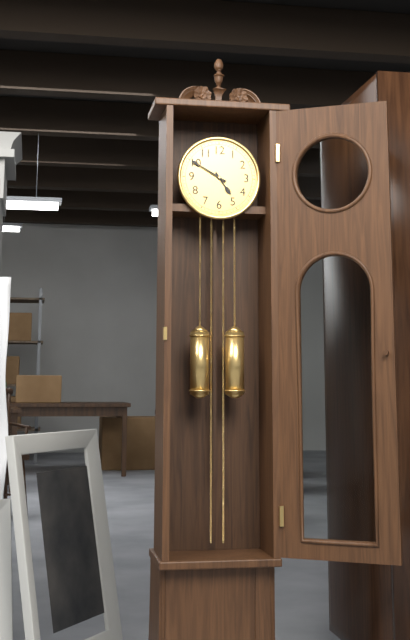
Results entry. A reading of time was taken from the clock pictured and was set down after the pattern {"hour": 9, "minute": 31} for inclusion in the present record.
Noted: {"hour": 4, "minute": 50}
